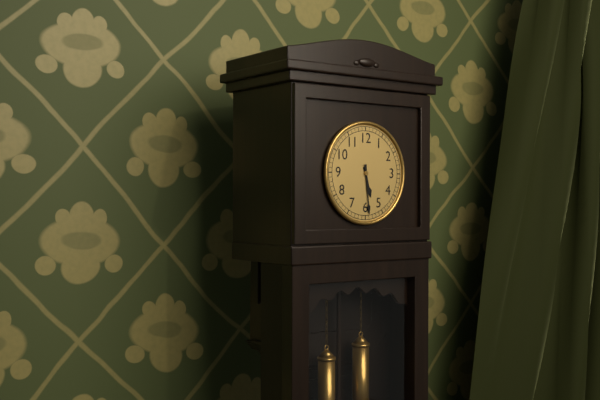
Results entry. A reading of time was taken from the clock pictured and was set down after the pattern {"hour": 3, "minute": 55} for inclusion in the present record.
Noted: {"hour": 5, "minute": 29}
